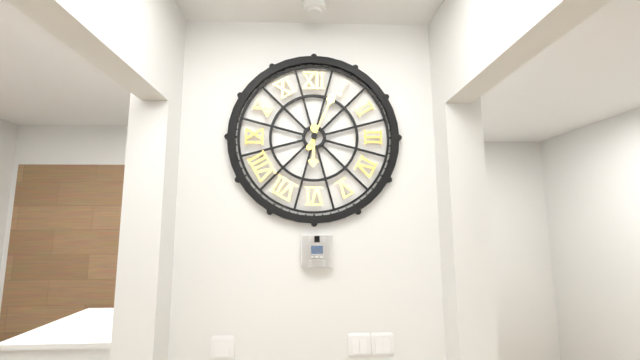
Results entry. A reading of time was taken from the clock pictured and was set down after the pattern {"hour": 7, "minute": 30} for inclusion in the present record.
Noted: {"hour": 6, "minute": 4}
